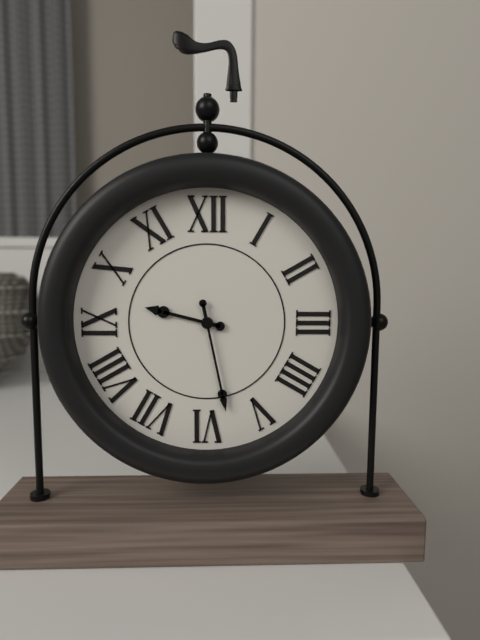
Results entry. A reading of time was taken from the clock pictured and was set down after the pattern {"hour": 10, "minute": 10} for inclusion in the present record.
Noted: {"hour": 9, "minute": 28}
